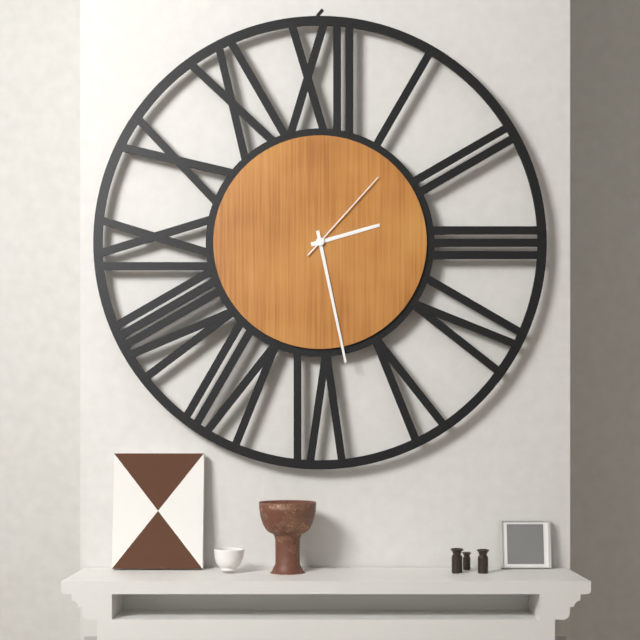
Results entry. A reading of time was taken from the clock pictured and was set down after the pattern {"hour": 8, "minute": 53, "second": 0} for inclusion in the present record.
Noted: {"hour": 2, "minute": 28, "second": 7}
